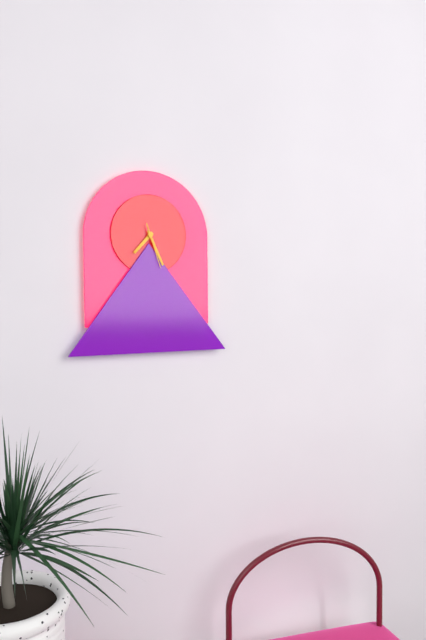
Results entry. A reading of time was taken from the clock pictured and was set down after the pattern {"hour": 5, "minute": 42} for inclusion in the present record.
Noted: {"hour": 7, "minute": 26}
